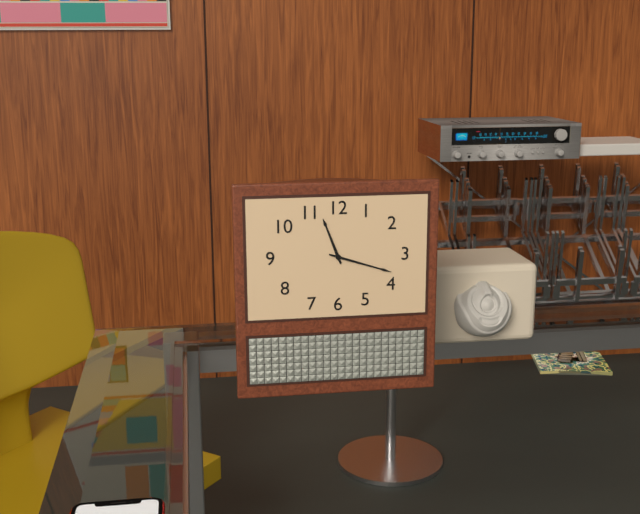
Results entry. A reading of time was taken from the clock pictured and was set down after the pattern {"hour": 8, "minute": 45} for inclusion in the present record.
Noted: {"hour": 11, "minute": 18}
